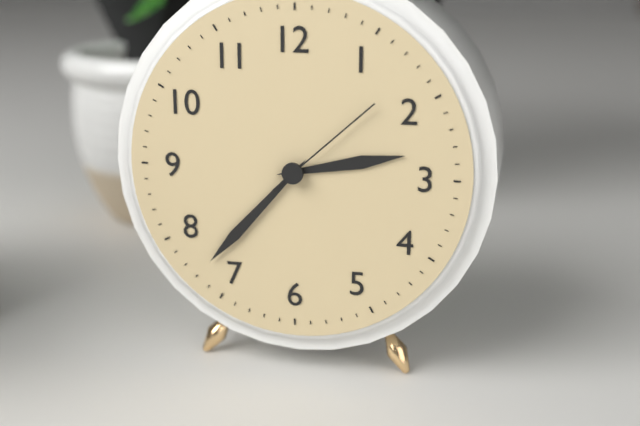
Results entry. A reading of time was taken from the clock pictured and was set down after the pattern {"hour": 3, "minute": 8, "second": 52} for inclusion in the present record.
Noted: {"hour": 2, "minute": 37, "second": 8}
